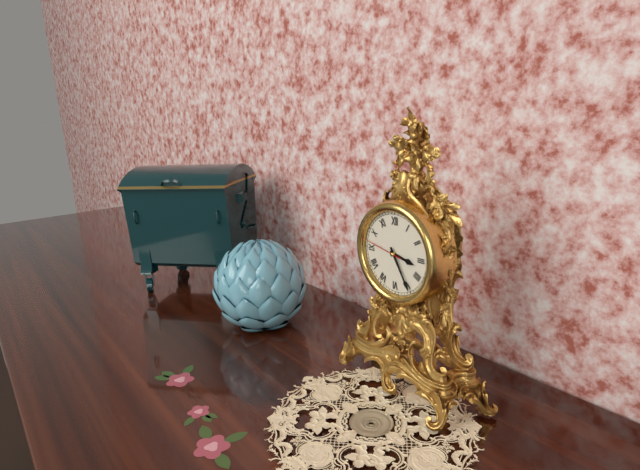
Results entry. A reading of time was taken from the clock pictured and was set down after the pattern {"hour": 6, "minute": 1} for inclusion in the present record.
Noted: {"hour": 3, "minute": 25}
